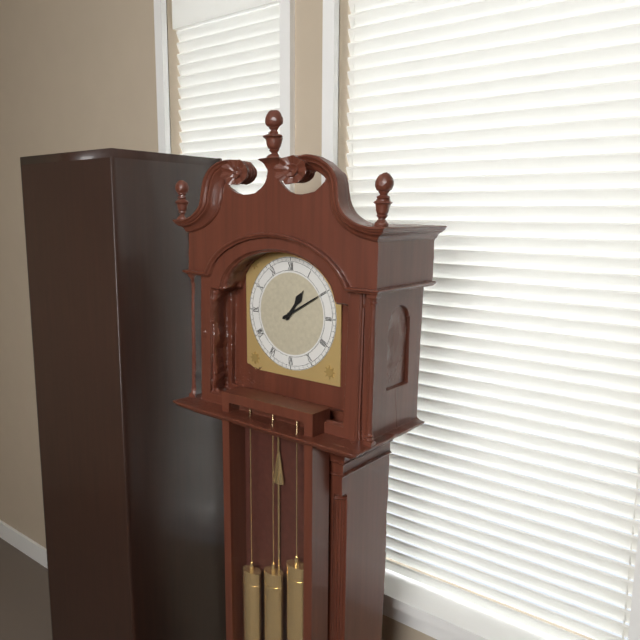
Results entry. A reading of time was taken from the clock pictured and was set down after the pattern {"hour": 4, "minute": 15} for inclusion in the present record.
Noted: {"hour": 1, "minute": 10}
